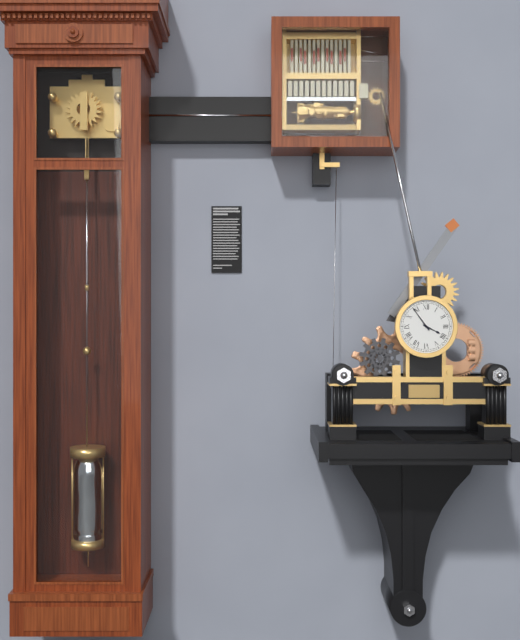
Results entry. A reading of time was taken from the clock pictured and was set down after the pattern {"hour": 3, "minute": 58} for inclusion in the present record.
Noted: {"hour": 3, "minute": 54}
